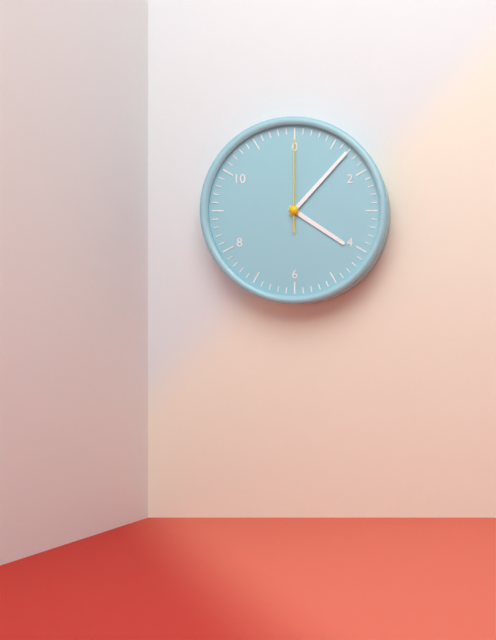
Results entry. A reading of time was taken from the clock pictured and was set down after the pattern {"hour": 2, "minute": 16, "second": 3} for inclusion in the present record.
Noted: {"hour": 4, "minute": 7, "second": 0}
